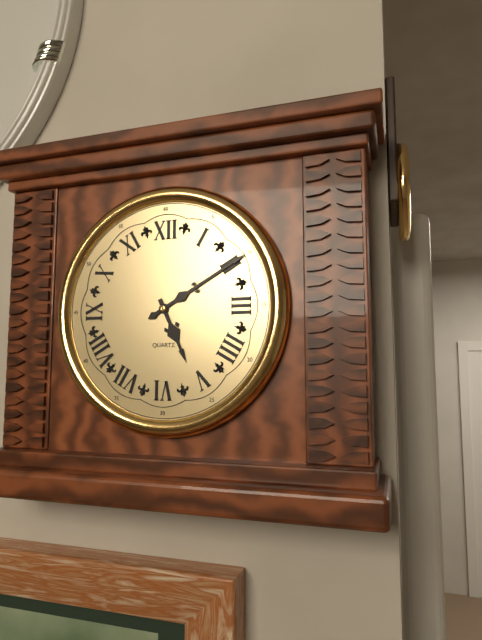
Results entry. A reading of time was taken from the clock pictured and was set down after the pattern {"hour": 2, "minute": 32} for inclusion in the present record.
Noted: {"hour": 5, "minute": 10}
